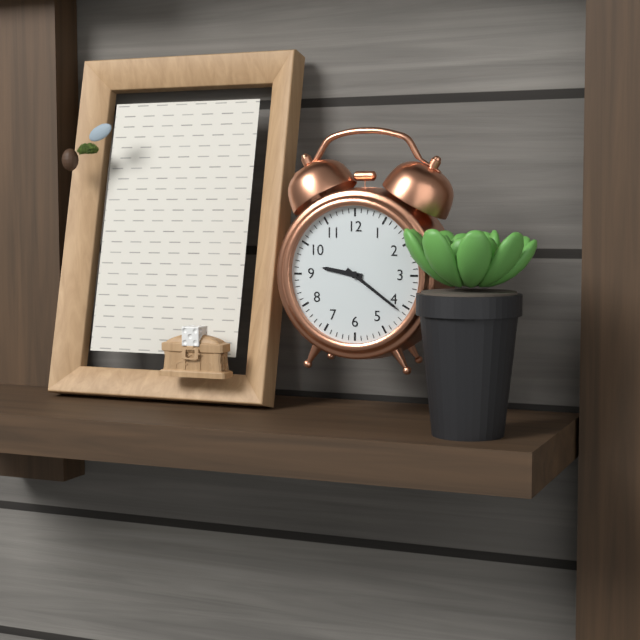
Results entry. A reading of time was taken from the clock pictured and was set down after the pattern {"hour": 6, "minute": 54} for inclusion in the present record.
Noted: {"hour": 9, "minute": 21}
